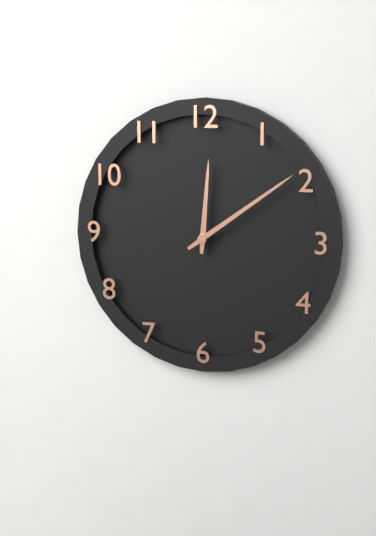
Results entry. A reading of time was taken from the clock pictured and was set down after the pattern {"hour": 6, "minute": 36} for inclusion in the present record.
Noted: {"hour": 12, "minute": 9}
